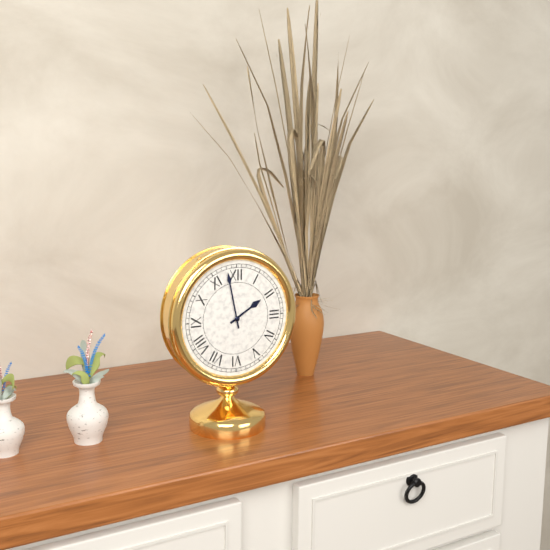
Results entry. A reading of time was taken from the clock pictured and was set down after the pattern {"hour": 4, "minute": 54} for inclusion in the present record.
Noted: {"hour": 1, "minute": 58}
